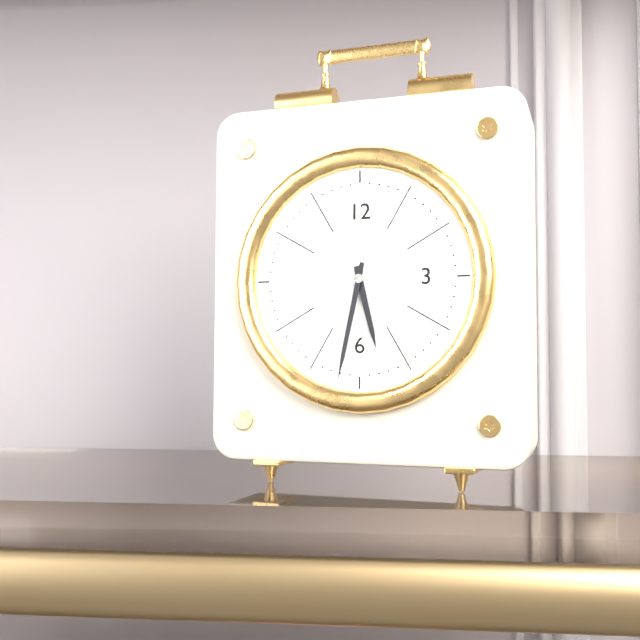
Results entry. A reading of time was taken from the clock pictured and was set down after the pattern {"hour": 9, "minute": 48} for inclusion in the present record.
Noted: {"hour": 5, "minute": 32}
